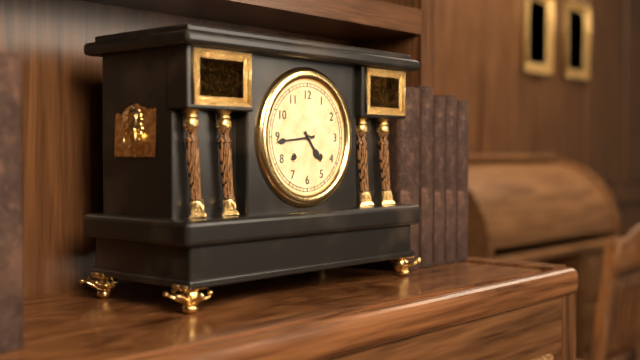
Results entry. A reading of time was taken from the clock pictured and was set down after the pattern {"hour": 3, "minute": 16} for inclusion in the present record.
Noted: {"hour": 4, "minute": 44}
